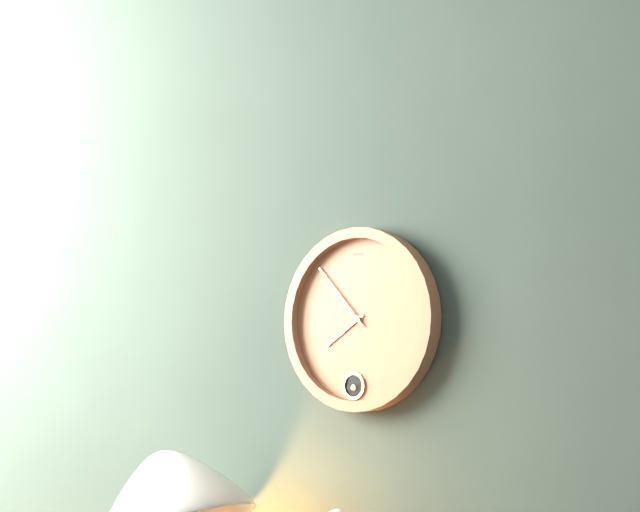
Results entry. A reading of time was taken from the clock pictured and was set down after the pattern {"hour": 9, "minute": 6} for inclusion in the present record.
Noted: {"hour": 7, "minute": 53}
